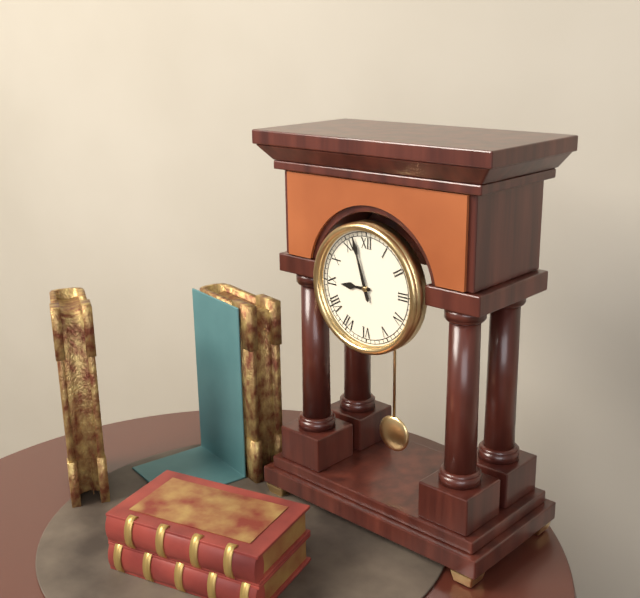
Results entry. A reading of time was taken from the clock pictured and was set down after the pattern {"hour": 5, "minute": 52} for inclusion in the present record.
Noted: {"hour": 8, "minute": 57}
